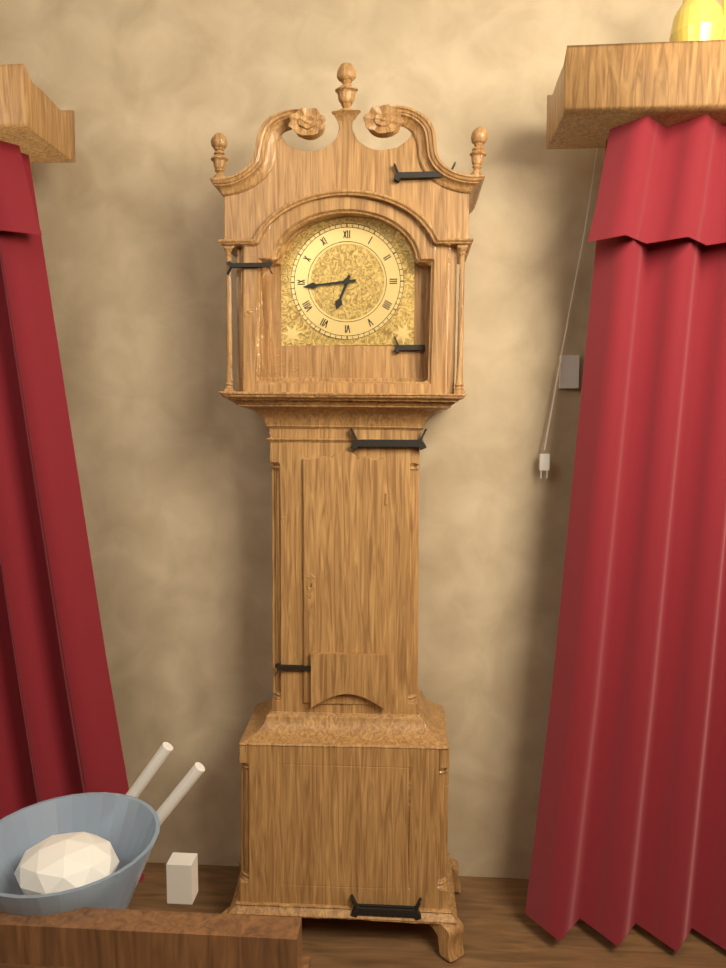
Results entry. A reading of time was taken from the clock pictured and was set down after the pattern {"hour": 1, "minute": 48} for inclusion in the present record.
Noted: {"hour": 6, "minute": 44}
